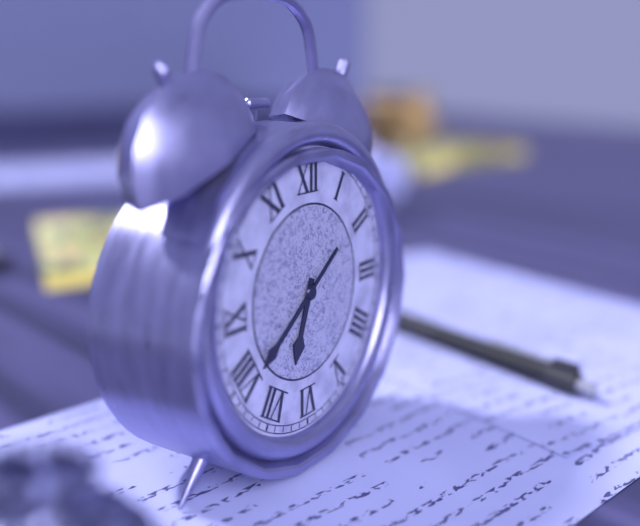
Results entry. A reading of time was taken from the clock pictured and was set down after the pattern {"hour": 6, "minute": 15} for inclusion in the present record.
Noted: {"hour": 6, "minute": 39}
